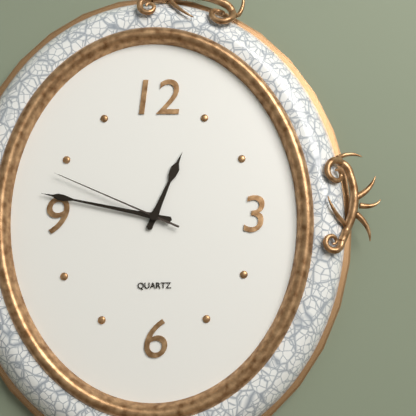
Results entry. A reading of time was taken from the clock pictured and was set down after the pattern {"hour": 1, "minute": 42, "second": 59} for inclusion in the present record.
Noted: {"hour": 12, "minute": 47, "second": 49}
